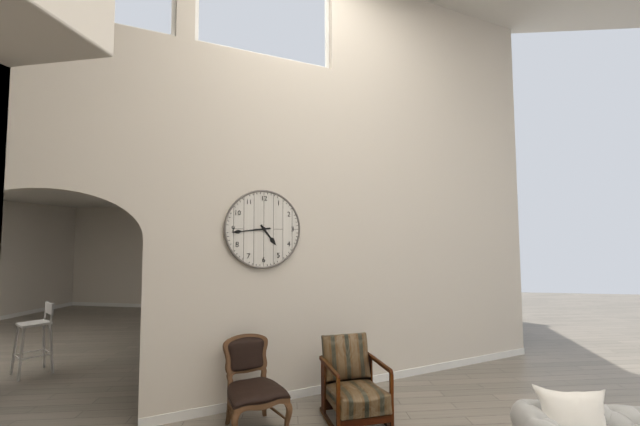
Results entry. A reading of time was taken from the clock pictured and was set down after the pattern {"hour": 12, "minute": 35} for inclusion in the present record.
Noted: {"hour": 4, "minute": 44}
